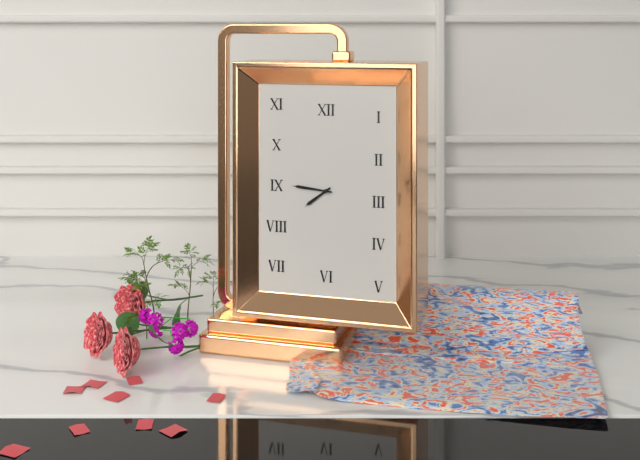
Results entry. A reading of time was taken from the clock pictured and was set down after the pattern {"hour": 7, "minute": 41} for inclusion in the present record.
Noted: {"hour": 7, "minute": 46}
